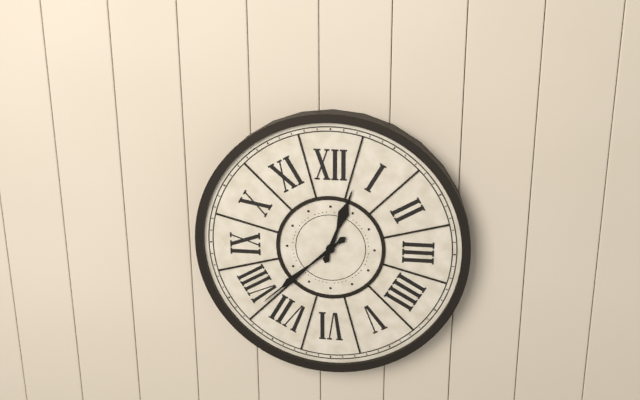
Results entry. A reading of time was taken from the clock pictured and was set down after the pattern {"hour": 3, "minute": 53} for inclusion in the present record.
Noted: {"hour": 12, "minute": 38}
